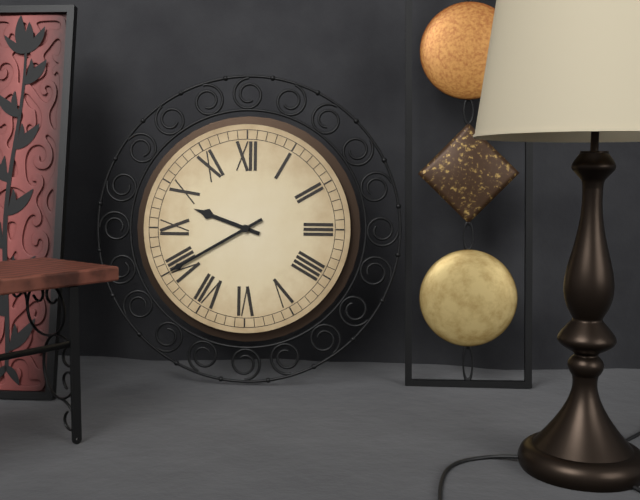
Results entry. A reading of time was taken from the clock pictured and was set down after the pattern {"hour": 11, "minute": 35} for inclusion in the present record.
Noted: {"hour": 9, "minute": 40}
